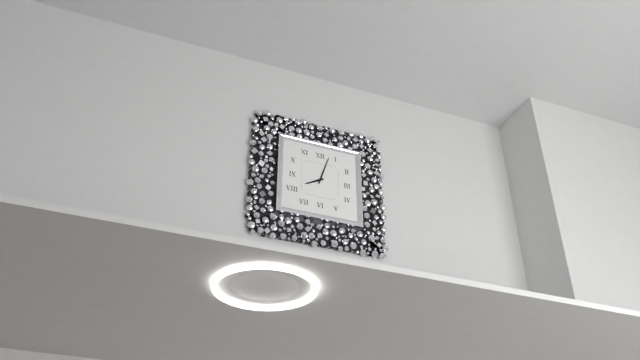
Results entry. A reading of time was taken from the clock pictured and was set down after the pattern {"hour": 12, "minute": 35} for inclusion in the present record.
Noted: {"hour": 8, "minute": 3}
